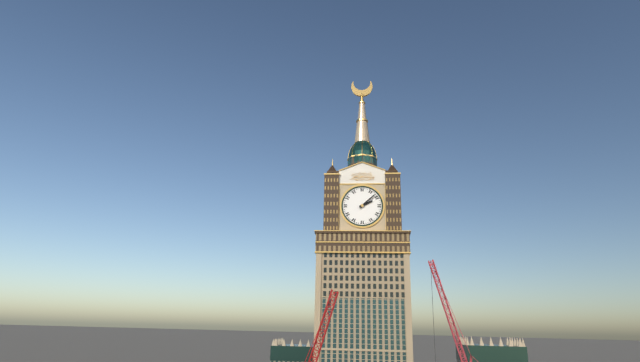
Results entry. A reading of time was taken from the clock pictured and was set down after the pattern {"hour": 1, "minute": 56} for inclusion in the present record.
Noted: {"hour": 2, "minute": 8}
